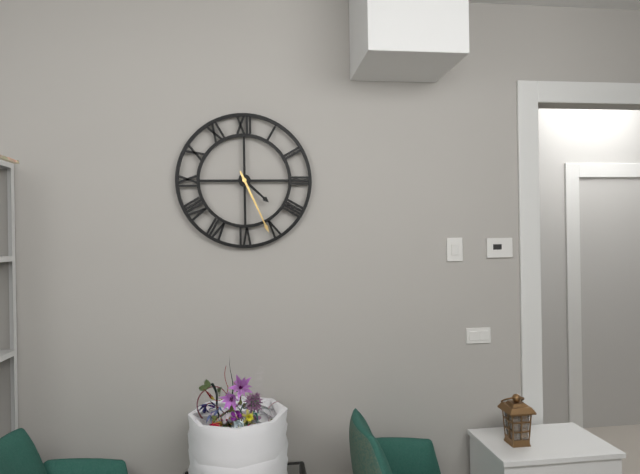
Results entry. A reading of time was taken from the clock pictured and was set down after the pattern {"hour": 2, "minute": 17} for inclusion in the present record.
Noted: {"hour": 4, "minute": 26}
